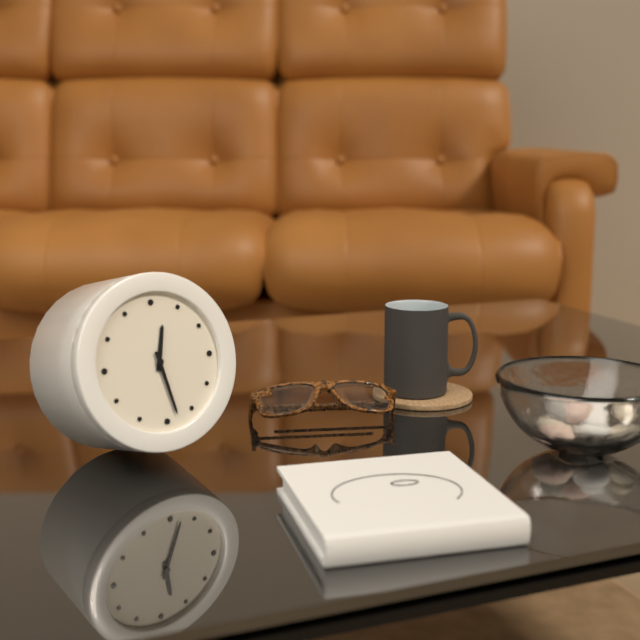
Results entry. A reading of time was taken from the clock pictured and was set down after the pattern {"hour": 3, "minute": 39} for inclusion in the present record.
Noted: {"hour": 12, "minute": 28}
